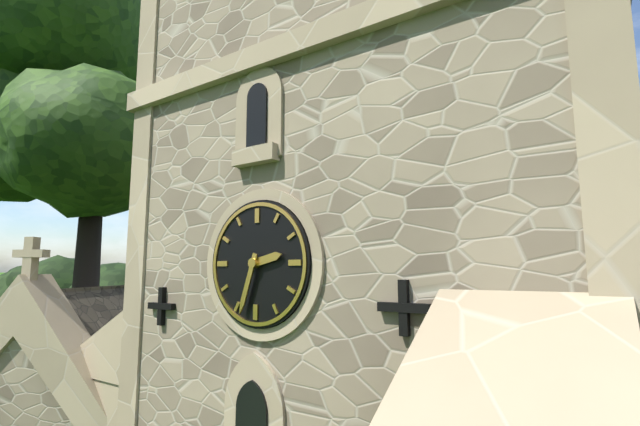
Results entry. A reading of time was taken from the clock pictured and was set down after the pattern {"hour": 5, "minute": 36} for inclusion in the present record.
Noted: {"hour": 2, "minute": 33}
